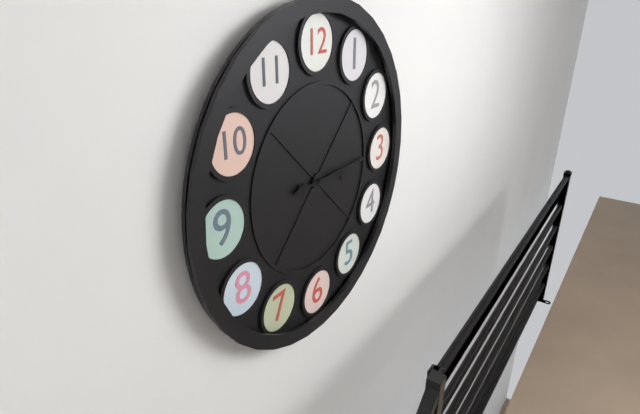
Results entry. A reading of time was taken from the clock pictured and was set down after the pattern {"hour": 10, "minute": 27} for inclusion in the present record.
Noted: {"hour": 3, "minute": 15}
